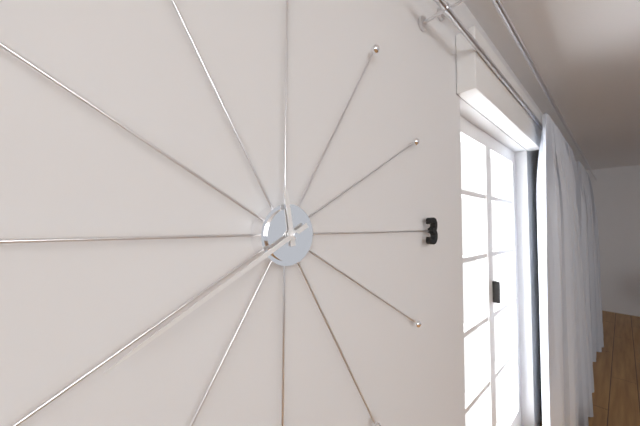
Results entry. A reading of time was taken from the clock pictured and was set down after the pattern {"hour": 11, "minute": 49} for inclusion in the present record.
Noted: {"hour": 11, "minute": 40}
